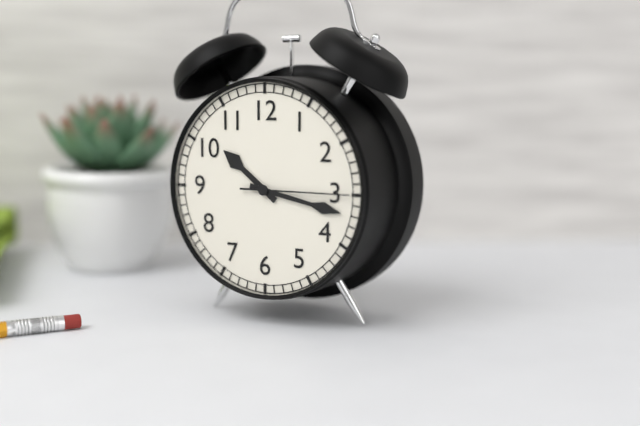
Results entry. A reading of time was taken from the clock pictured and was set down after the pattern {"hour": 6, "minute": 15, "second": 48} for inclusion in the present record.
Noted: {"hour": 10, "minute": 17, "second": 15}
